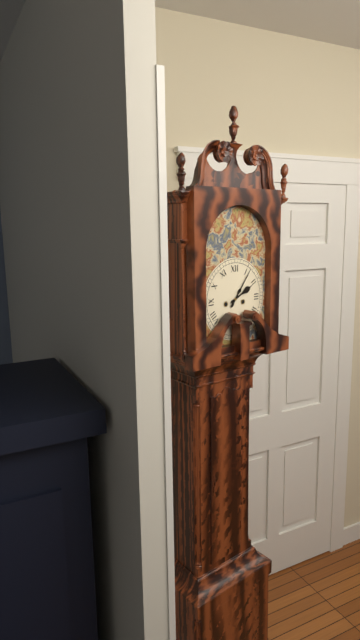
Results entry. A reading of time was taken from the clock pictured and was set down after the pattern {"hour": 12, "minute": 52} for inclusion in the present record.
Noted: {"hour": 2, "minute": 6}
